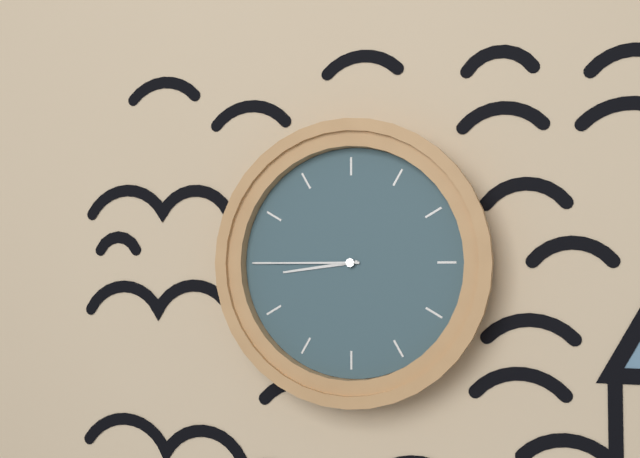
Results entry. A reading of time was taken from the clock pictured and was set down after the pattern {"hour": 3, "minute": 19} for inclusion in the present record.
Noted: {"hour": 8, "minute": 45}
